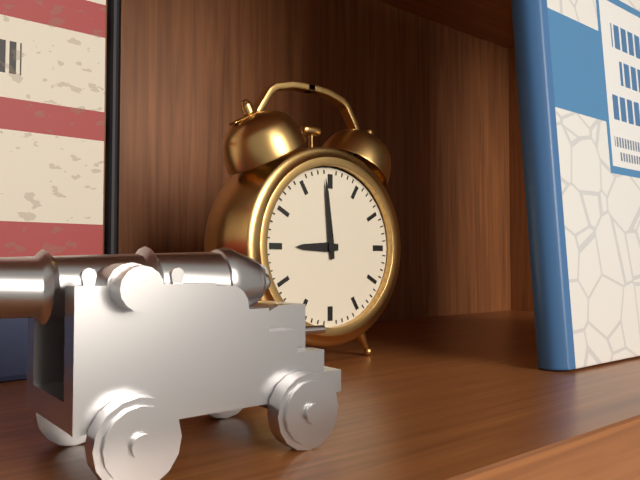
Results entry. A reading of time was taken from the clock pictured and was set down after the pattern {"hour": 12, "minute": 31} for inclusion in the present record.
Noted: {"hour": 8, "minute": 59}
